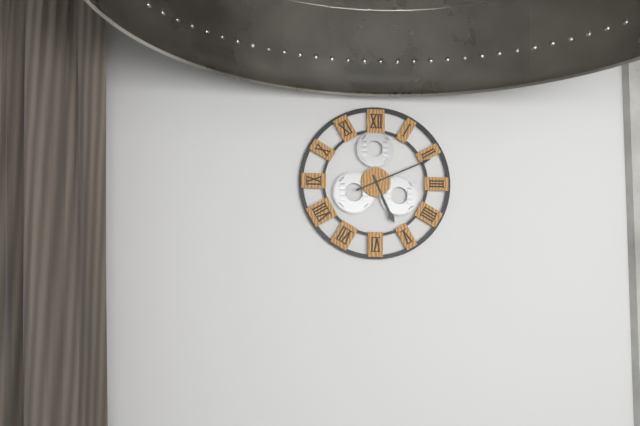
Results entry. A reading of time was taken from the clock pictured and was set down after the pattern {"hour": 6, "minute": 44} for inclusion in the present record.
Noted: {"hour": 5, "minute": 11}
